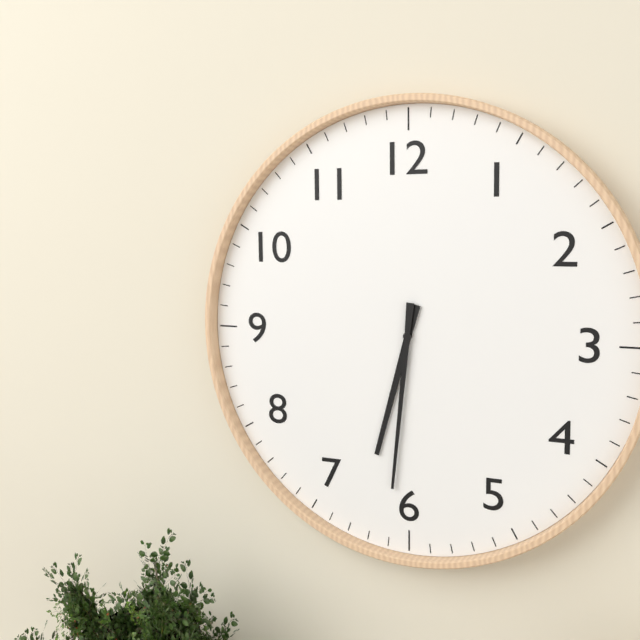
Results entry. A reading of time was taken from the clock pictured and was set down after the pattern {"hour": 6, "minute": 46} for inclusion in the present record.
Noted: {"hour": 6, "minute": 31}
